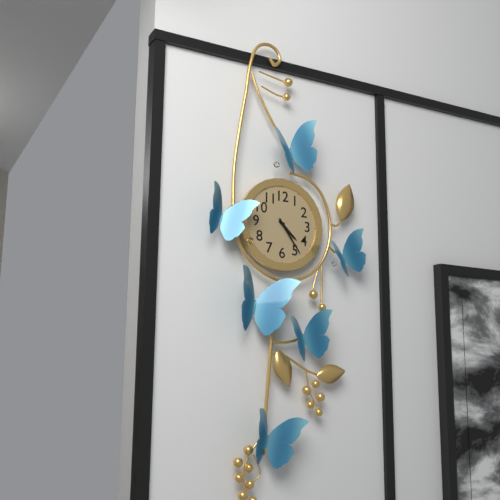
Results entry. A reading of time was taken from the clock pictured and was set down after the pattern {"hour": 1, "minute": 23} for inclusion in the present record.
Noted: {"hour": 4, "minute": 24}
